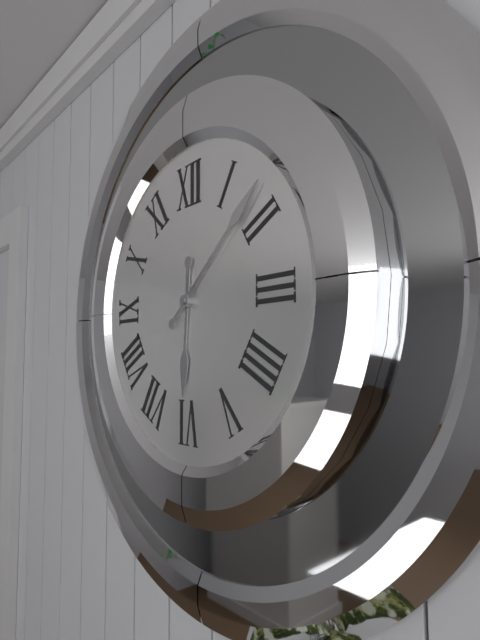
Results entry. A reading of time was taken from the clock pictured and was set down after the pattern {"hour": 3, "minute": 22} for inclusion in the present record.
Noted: {"hour": 6, "minute": 8}
